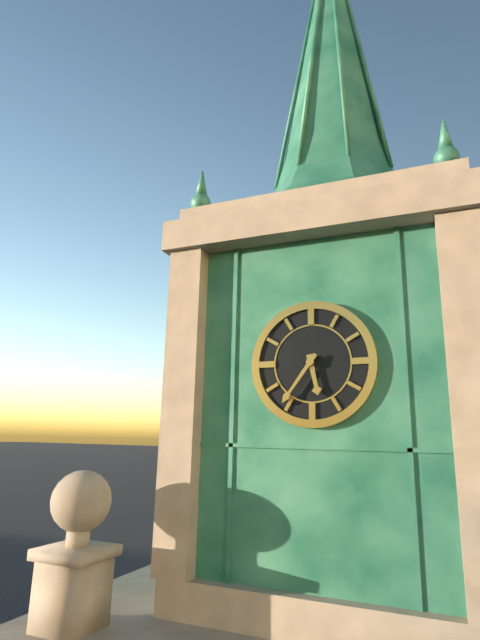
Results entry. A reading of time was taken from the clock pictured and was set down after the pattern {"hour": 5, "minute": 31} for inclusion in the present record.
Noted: {"hour": 5, "minute": 36}
